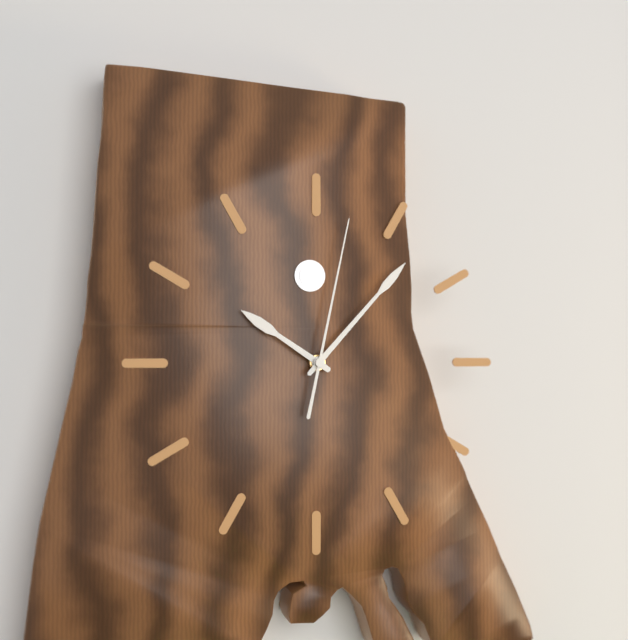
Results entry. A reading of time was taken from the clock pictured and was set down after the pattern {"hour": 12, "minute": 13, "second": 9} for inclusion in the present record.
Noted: {"hour": 10, "minute": 7, "second": 2}
